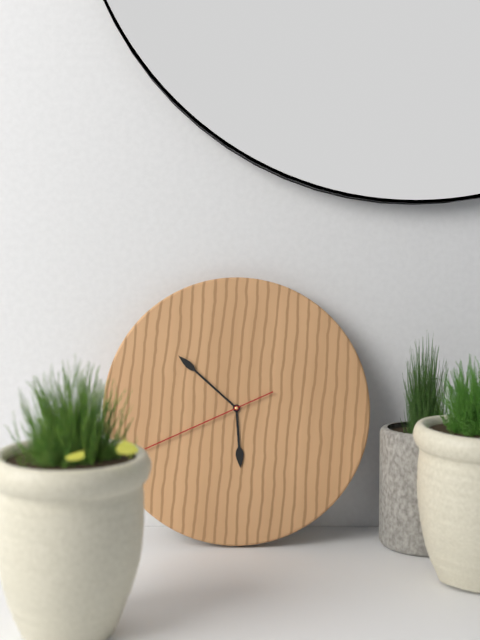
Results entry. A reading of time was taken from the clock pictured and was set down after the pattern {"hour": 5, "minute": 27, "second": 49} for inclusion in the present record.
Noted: {"hour": 5, "minute": 52, "second": 41}
